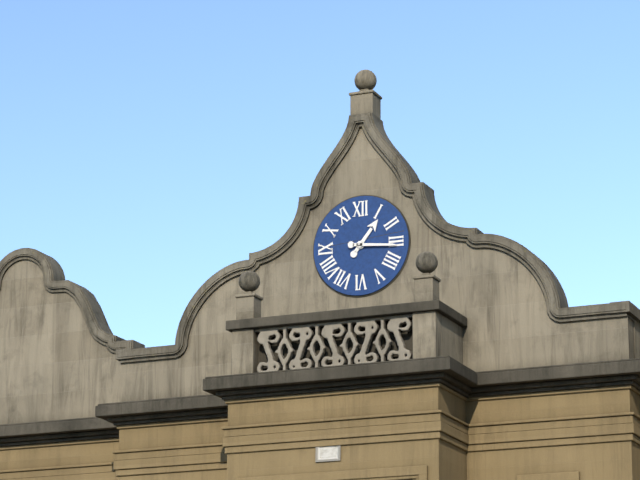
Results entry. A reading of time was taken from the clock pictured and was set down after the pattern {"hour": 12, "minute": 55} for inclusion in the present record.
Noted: {"hour": 1, "minute": 16}
